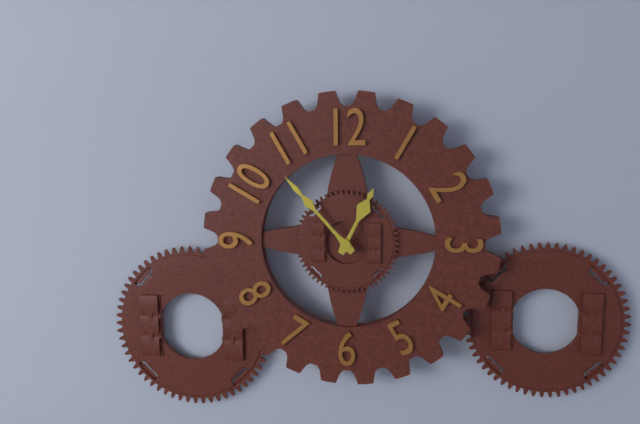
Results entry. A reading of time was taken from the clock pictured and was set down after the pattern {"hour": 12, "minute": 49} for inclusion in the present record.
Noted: {"hour": 12, "minute": 53}
